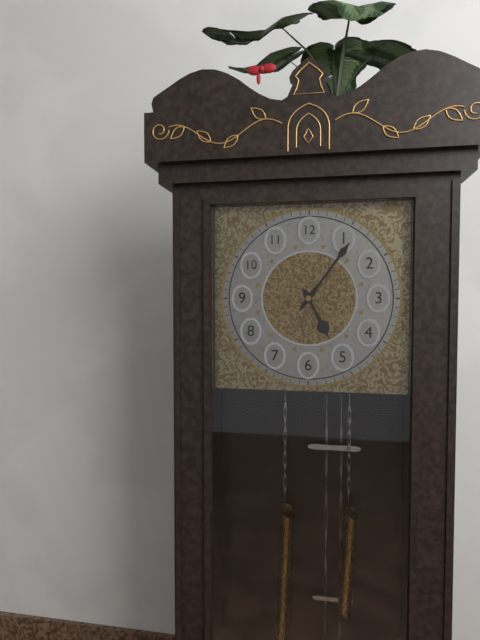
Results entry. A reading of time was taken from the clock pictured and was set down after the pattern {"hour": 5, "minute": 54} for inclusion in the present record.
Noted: {"hour": 5, "minute": 6}
